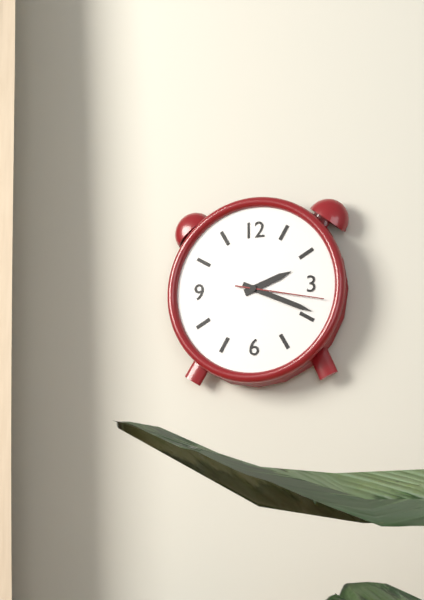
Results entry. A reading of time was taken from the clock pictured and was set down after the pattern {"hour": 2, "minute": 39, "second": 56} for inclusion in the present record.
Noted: {"hour": 2, "minute": 19, "second": 17}
